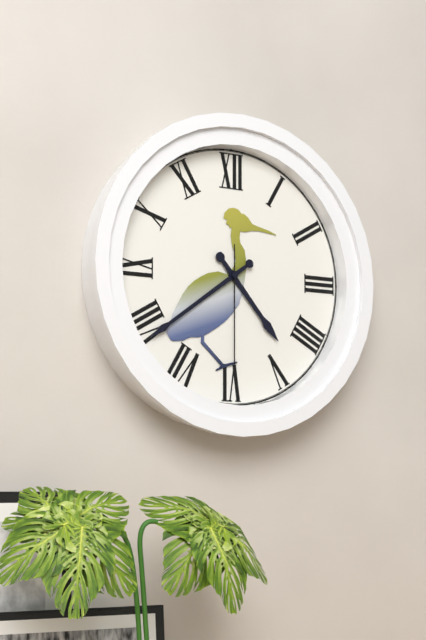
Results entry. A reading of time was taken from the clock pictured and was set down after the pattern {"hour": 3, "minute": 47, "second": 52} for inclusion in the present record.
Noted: {"hour": 4, "minute": 39, "second": 30}
